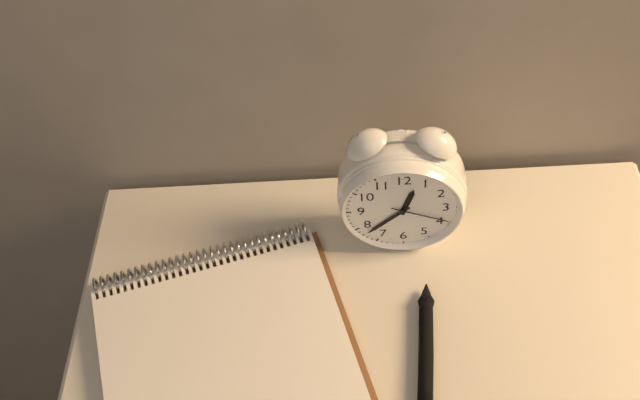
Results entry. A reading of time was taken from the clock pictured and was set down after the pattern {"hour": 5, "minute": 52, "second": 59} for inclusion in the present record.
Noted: {"hour": 12, "minute": 38, "second": 19}
